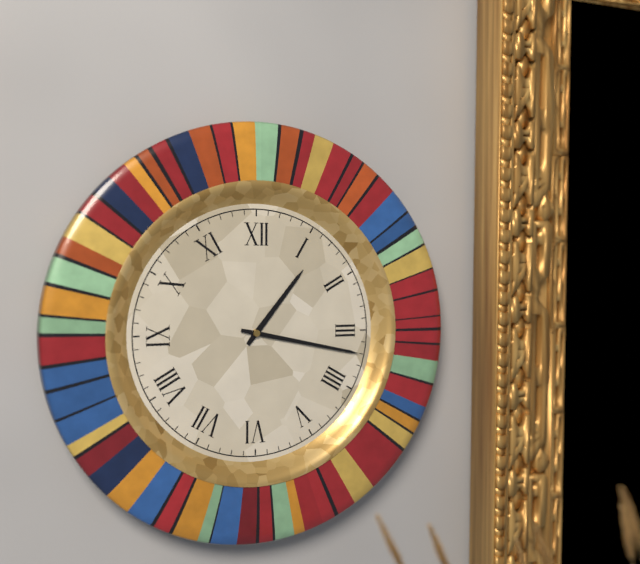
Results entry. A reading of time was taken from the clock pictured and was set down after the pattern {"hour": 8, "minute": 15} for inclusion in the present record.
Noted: {"hour": 1, "minute": 17}
